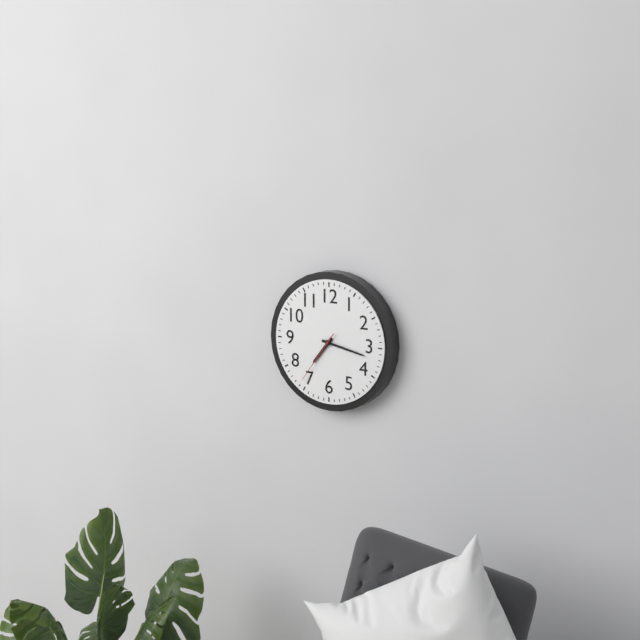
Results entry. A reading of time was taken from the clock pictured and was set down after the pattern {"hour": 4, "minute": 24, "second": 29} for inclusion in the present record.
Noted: {"hour": 7, "minute": 17, "second": 36}
